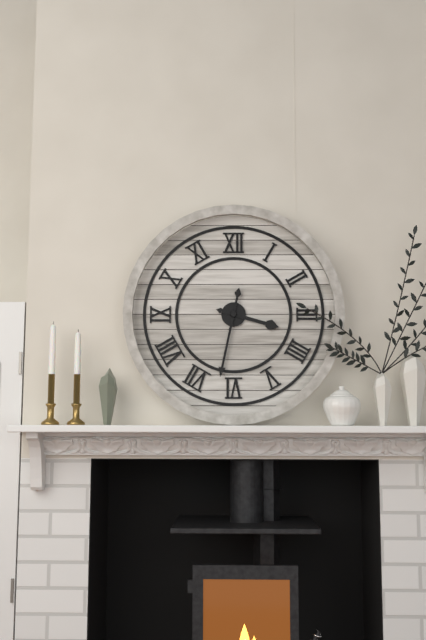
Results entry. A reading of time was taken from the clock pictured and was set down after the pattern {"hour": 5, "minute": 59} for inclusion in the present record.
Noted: {"hour": 3, "minute": 32}
